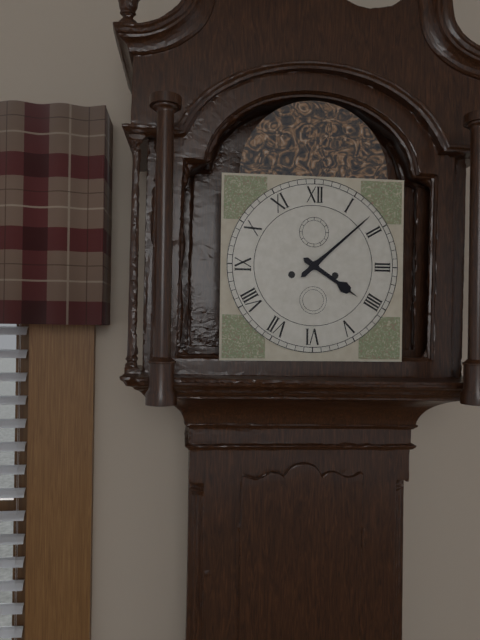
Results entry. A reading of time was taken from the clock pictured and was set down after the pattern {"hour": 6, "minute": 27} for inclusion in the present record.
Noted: {"hour": 4, "minute": 8}
